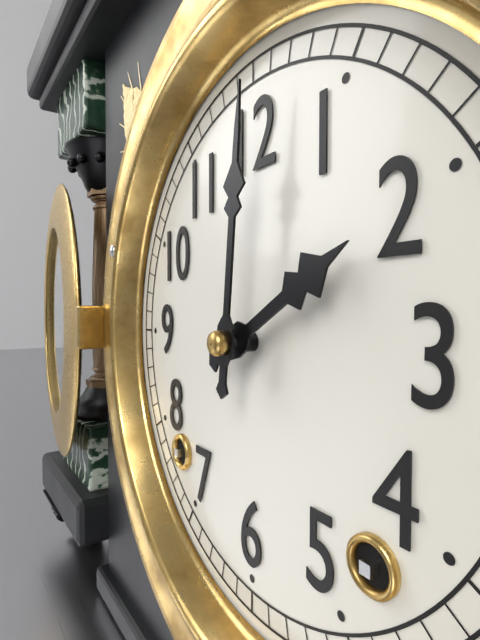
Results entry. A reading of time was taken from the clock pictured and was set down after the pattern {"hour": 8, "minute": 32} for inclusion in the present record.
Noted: {"hour": 2, "minute": 1}
